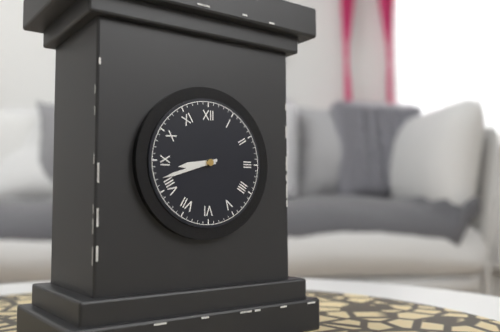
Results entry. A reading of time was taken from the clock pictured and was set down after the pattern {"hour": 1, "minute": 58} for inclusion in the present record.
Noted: {"hour": 8, "minute": 42}
